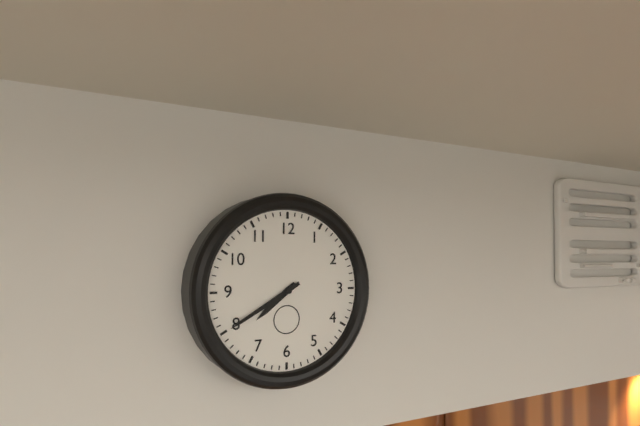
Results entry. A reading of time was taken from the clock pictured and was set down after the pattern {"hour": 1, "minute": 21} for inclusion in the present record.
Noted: {"hour": 7, "minute": 40}
